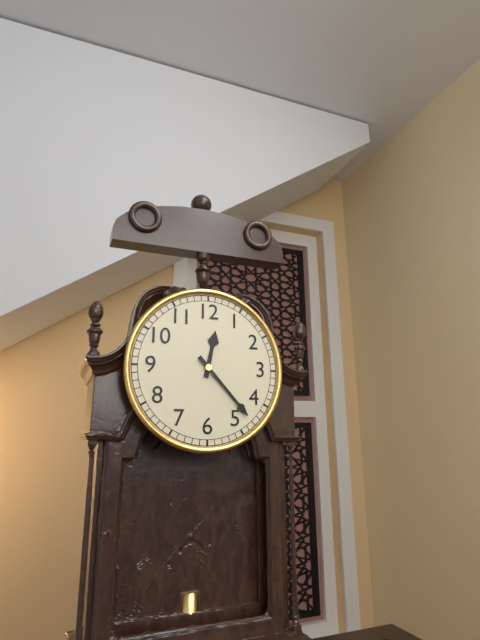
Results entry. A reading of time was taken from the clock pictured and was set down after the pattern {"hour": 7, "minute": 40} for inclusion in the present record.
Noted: {"hour": 12, "minute": 23}
